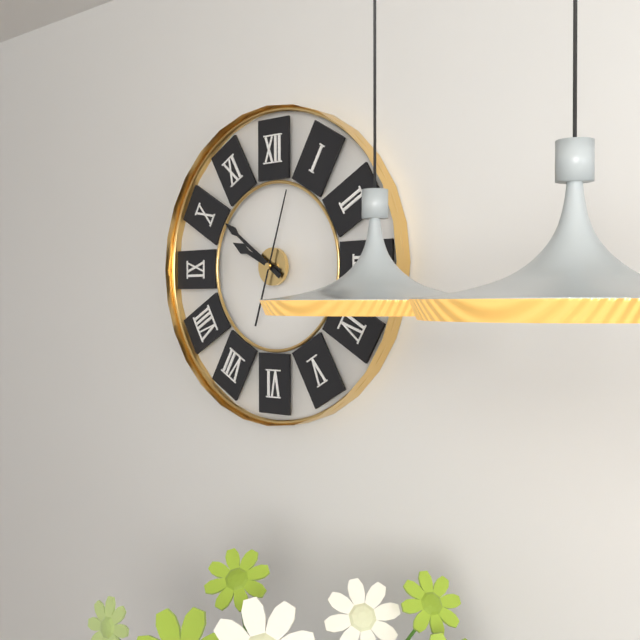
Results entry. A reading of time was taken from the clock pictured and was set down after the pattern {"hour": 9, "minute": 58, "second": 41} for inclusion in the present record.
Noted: {"hour": 9, "minute": 51, "second": 3}
